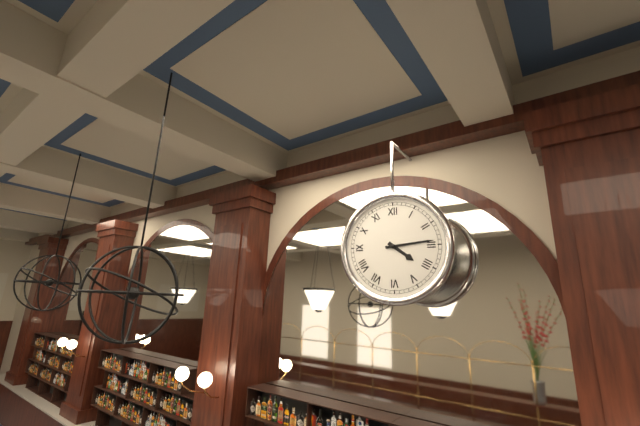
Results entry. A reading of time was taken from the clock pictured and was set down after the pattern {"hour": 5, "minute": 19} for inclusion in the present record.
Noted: {"hour": 4, "minute": 14}
